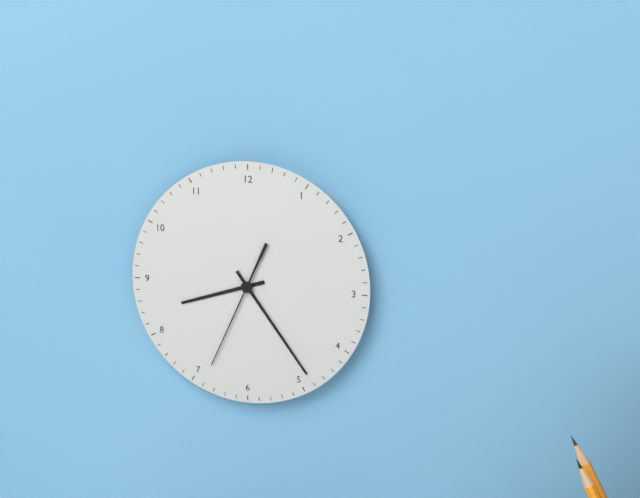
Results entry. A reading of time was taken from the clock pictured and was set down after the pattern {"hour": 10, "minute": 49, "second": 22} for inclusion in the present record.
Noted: {"hour": 8, "minute": 24, "second": 34}
